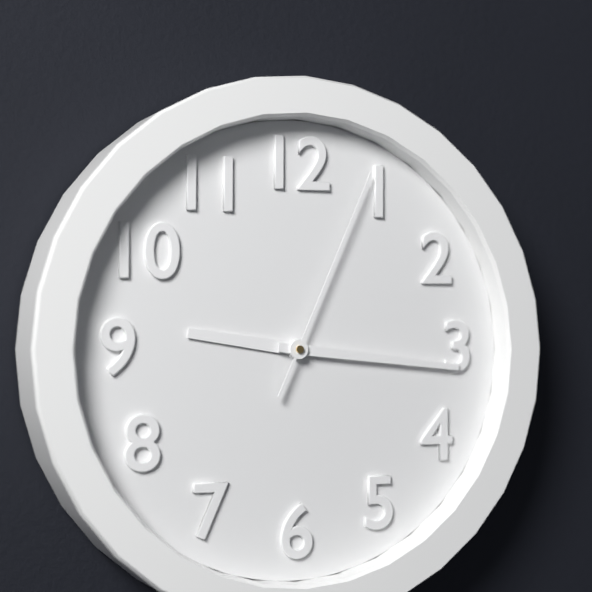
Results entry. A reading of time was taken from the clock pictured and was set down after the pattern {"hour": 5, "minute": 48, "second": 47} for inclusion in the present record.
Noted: {"hour": 9, "minute": 16, "second": 4}
